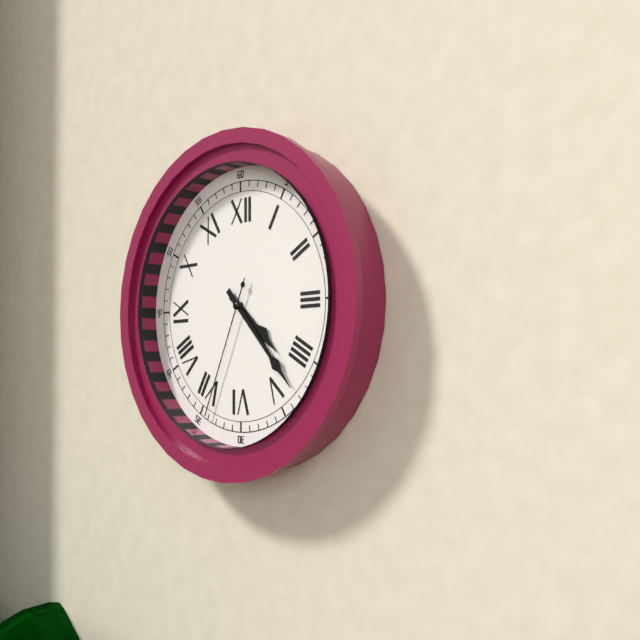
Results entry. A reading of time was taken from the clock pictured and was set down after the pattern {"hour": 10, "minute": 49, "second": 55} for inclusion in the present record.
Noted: {"hour": 4, "minute": 23, "second": 34}
